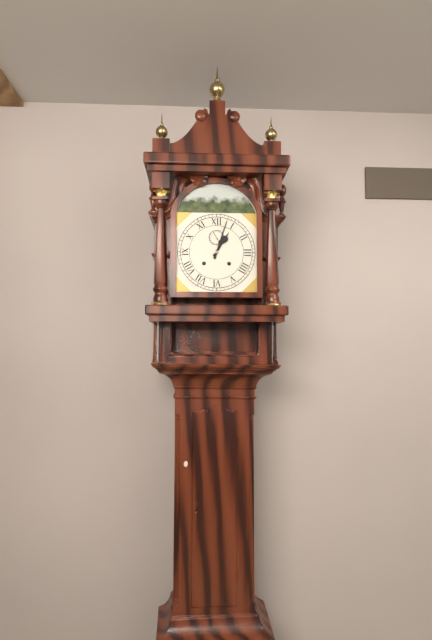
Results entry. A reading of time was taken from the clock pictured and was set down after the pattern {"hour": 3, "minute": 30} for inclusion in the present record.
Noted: {"hour": 1, "minute": 3}
